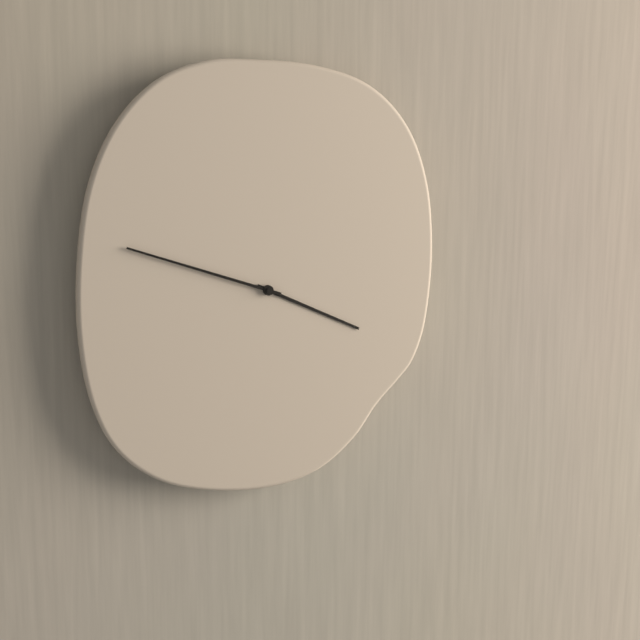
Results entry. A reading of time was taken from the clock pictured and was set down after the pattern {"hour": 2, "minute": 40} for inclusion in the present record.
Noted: {"hour": 3, "minute": 48}
